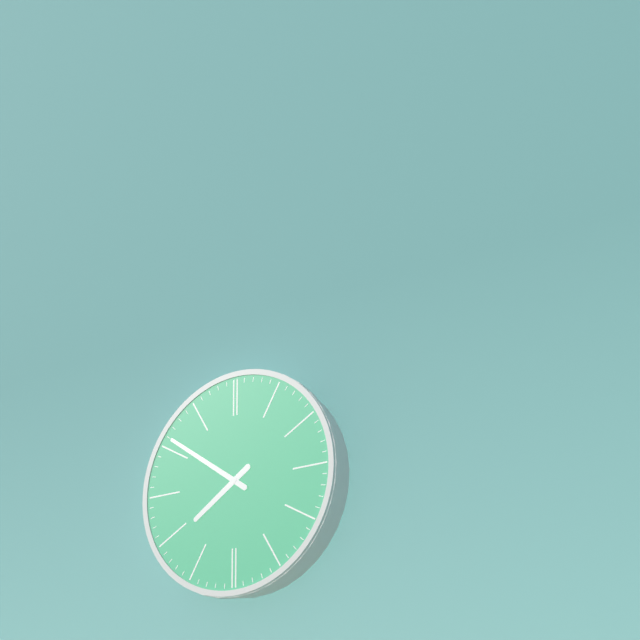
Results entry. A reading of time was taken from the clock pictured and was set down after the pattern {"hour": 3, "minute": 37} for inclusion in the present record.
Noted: {"hour": 7, "minute": 51}
